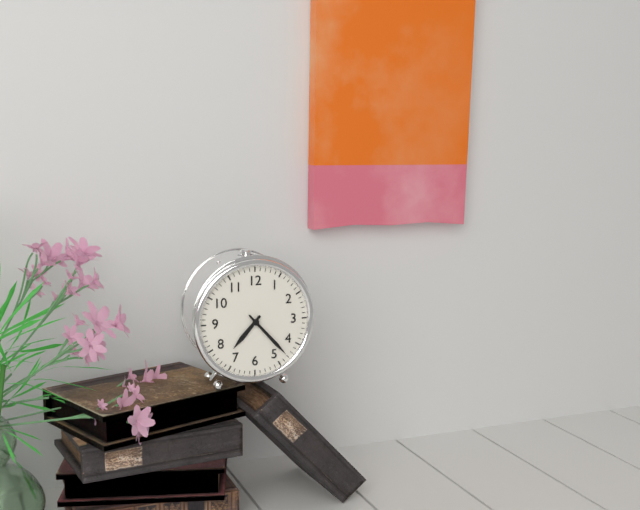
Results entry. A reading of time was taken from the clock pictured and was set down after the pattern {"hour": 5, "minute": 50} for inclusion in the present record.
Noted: {"hour": 7, "minute": 23}
